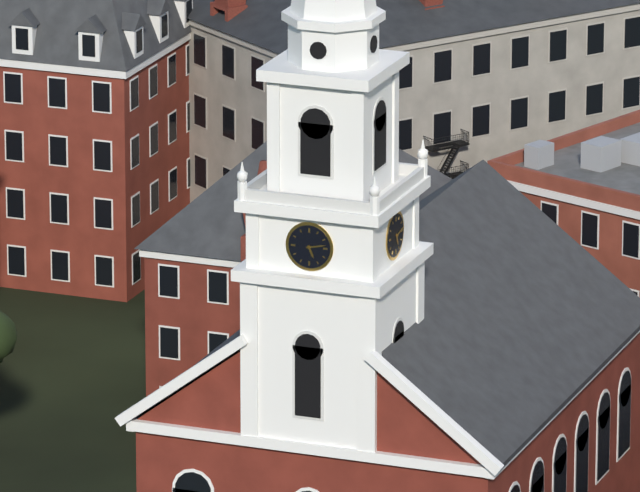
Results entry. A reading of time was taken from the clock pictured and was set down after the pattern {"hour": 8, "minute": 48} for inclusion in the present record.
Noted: {"hour": 5, "minute": 13}
